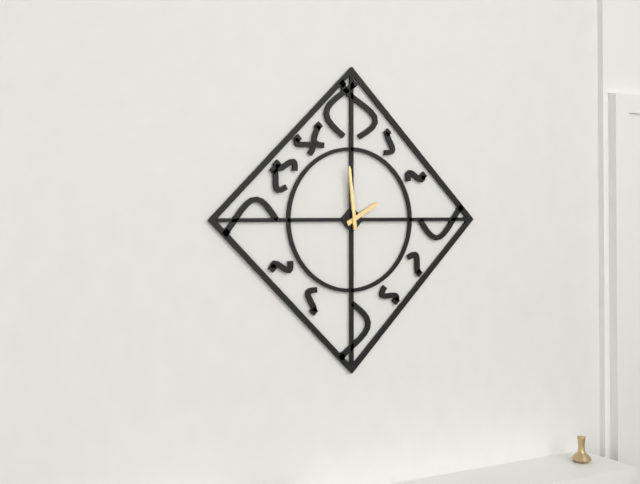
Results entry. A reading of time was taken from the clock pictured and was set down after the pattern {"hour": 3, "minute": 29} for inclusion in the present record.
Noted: {"hour": 1, "minute": 59}
